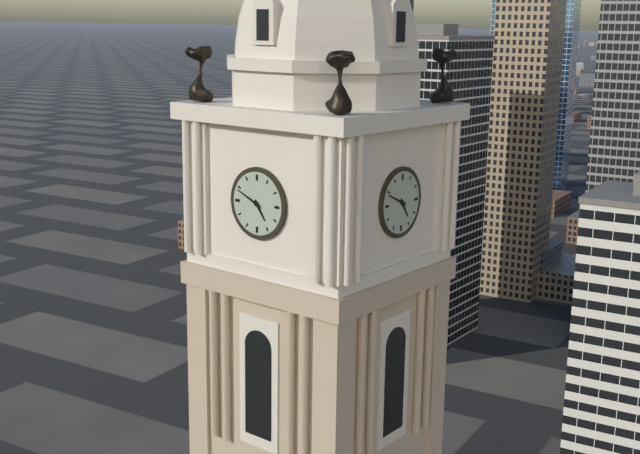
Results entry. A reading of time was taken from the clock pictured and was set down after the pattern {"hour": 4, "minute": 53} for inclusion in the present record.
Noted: {"hour": 4, "minute": 49}
